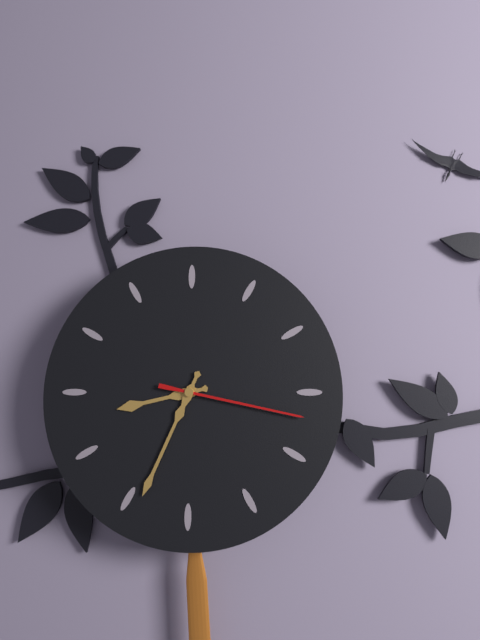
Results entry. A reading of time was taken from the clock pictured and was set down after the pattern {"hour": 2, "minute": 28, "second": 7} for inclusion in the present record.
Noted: {"hour": 8, "minute": 34, "second": 17}
